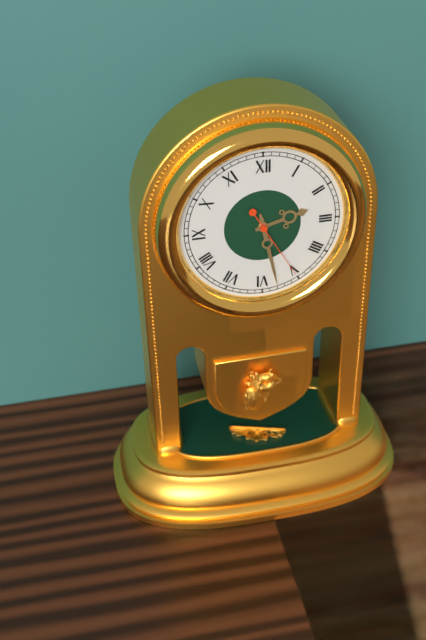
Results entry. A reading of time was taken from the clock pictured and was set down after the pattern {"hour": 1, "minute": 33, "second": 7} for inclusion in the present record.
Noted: {"hour": 2, "minute": 28, "second": 25}
